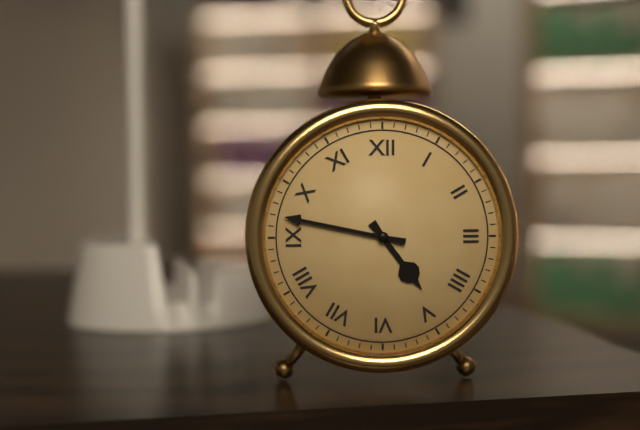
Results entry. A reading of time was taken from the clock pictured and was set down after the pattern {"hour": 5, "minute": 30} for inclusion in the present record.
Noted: {"hour": 4, "minute": 47}
